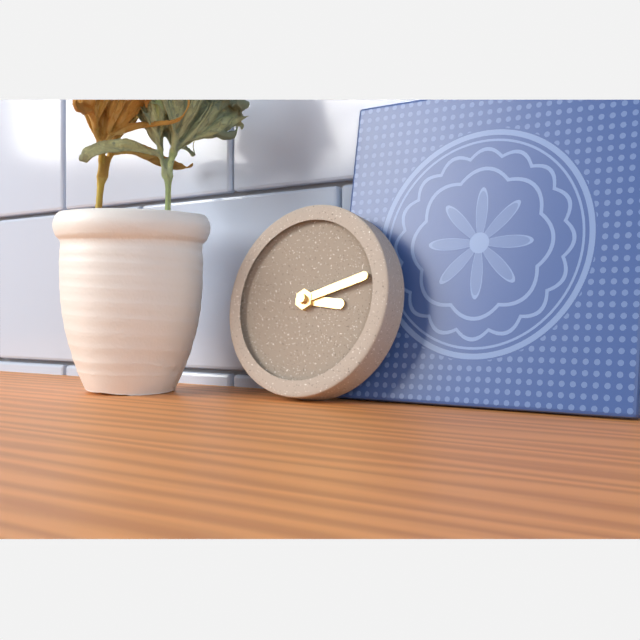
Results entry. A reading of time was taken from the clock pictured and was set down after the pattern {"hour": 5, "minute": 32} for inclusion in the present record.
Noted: {"hour": 3, "minute": 12}
